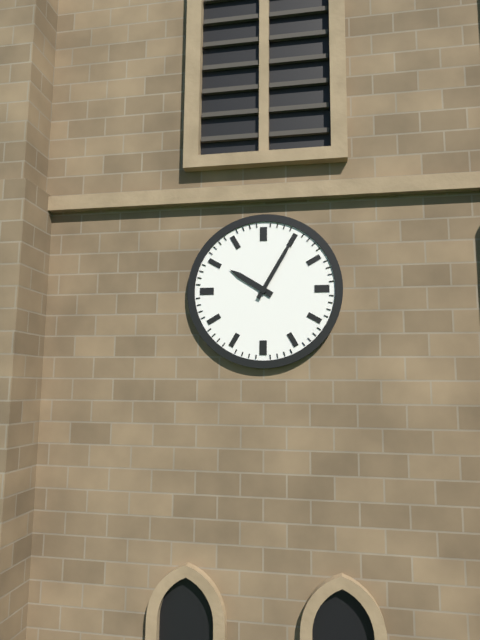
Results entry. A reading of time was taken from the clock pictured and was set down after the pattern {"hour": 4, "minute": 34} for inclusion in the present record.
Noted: {"hour": 10, "minute": 5}
